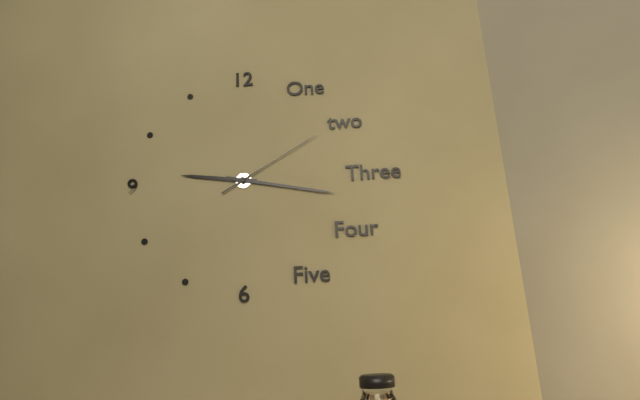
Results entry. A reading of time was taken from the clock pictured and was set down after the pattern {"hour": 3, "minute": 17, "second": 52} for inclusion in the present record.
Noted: {"hour": 9, "minute": 17, "second": 10}
